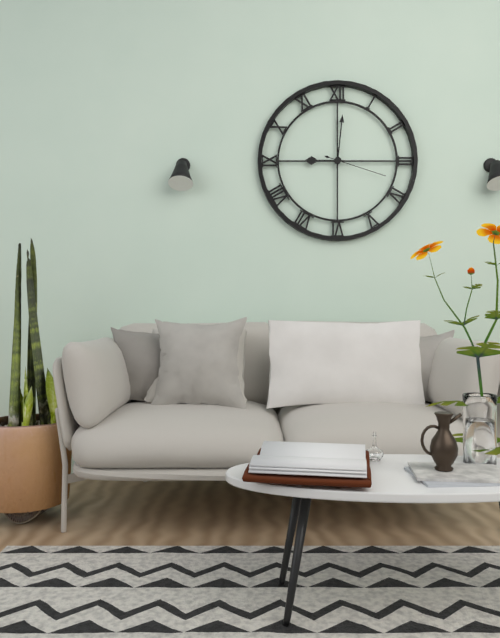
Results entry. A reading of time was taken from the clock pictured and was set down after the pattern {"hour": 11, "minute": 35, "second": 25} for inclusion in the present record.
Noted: {"hour": 9, "minute": 1, "second": 18}
